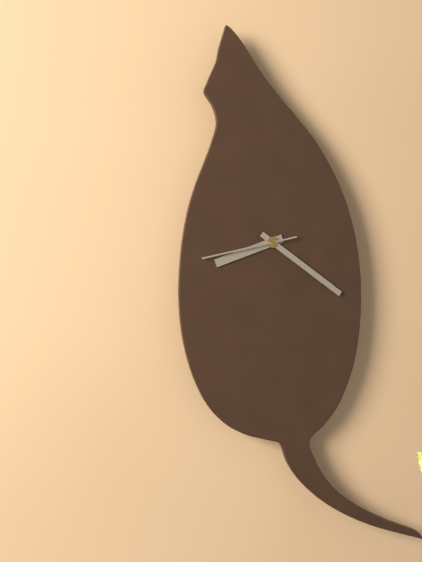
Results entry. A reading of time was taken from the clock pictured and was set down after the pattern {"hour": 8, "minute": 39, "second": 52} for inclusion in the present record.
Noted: {"hour": 8, "minute": 21, "second": 43}
